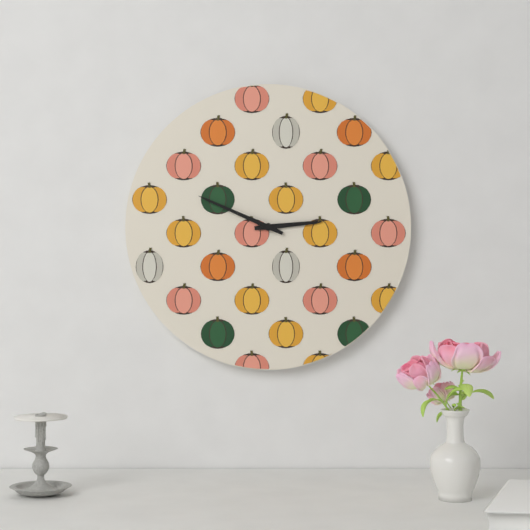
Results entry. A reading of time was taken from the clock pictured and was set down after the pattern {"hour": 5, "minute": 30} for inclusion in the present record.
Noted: {"hour": 2, "minute": 49}
